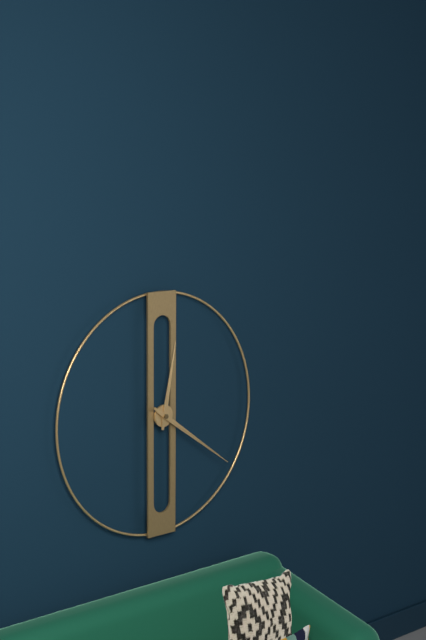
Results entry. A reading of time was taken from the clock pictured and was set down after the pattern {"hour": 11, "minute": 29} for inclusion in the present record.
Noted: {"hour": 12, "minute": 21}
